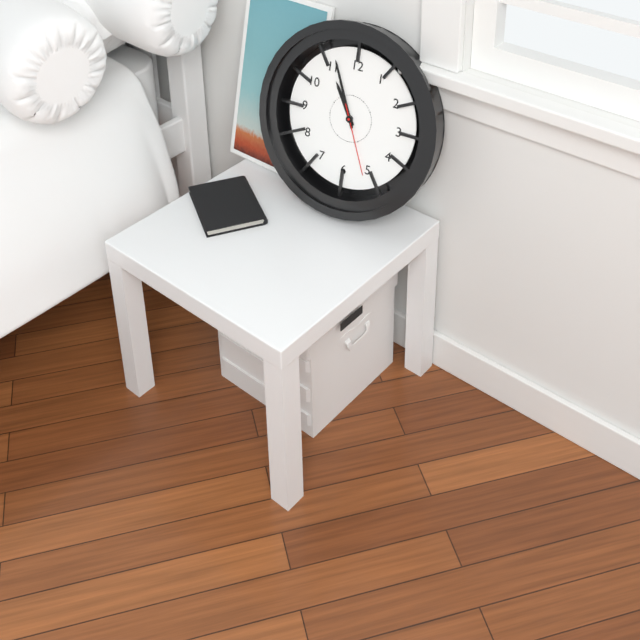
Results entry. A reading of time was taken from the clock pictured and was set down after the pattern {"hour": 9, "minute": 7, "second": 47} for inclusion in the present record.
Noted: {"hour": 10, "minute": 56, "second": 26}
